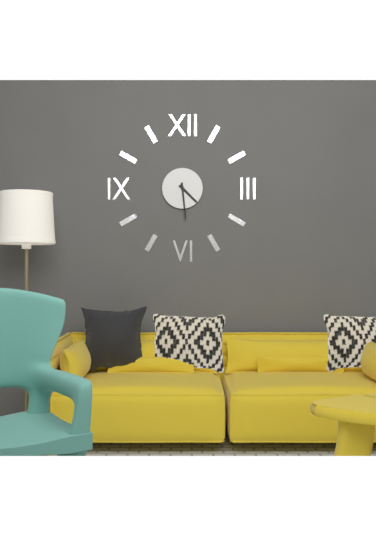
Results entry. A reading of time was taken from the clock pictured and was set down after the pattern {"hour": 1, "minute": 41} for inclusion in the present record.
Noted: {"hour": 4, "minute": 29}
